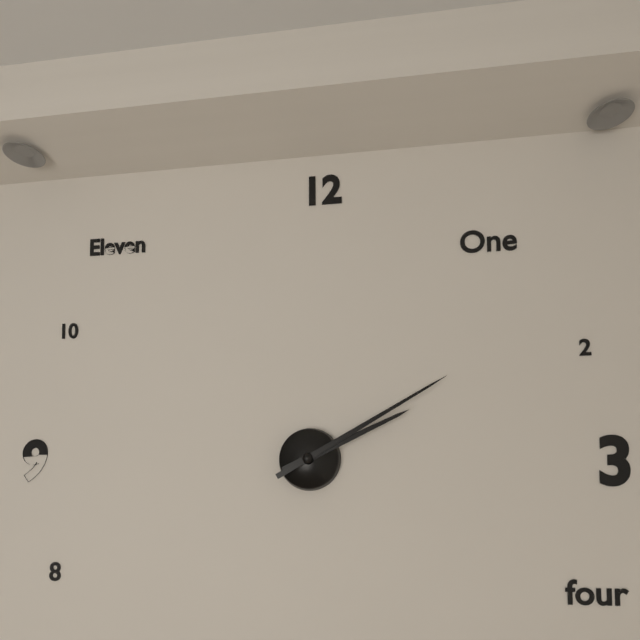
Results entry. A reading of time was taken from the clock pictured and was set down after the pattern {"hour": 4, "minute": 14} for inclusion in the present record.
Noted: {"hour": 2, "minute": 10}
